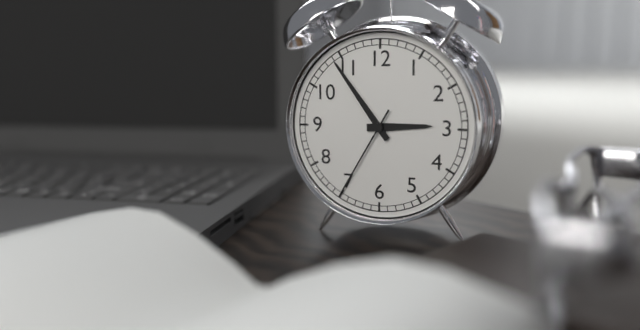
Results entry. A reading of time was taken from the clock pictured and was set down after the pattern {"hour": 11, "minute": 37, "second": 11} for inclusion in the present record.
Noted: {"hour": 2, "minute": 54, "second": 35}
